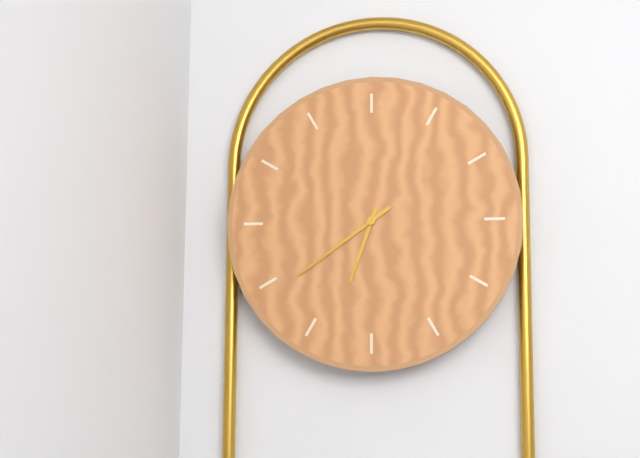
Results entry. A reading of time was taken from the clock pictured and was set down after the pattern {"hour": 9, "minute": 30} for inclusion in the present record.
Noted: {"hour": 6, "minute": 39}
